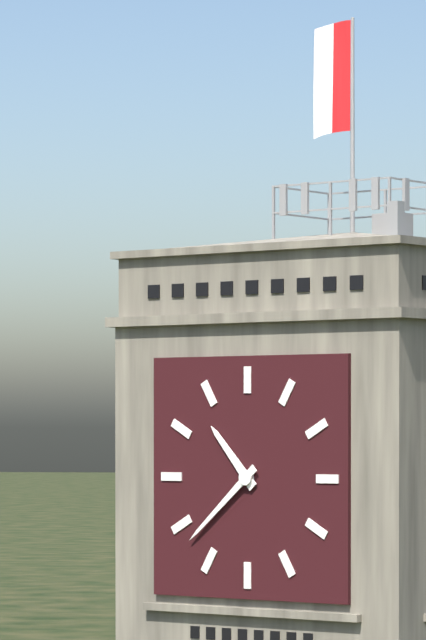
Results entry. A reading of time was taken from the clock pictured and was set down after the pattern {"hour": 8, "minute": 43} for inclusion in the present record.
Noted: {"hour": 10, "minute": 38}
